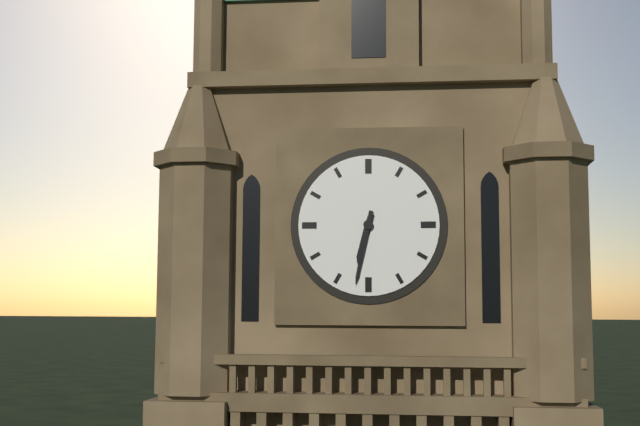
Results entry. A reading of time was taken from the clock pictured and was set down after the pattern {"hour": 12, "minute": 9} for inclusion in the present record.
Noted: {"hour": 6, "minute": 32}
